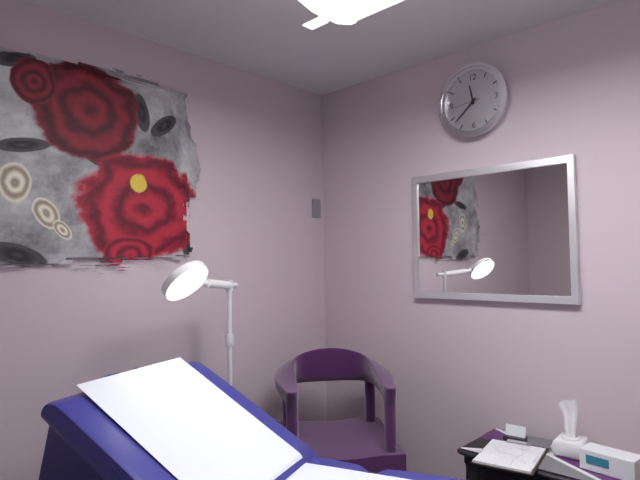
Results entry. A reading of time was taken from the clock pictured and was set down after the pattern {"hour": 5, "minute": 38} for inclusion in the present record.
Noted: {"hour": 11, "minute": 38}
